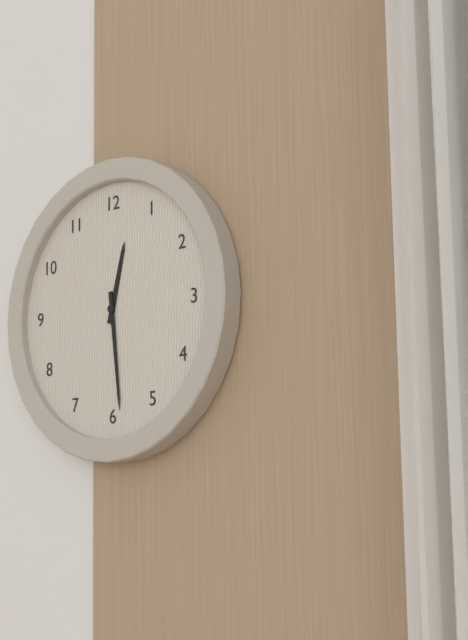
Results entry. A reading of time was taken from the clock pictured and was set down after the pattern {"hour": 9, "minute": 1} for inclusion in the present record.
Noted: {"hour": 12, "minute": 29}
